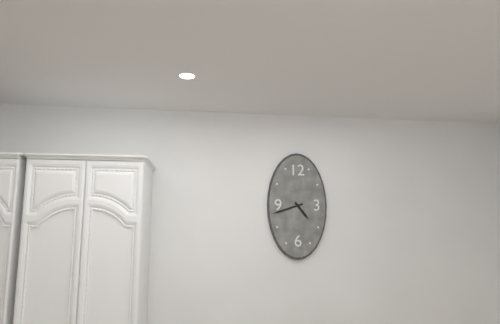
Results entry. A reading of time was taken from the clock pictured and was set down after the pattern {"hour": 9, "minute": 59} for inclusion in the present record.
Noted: {"hour": 4, "minute": 42}
